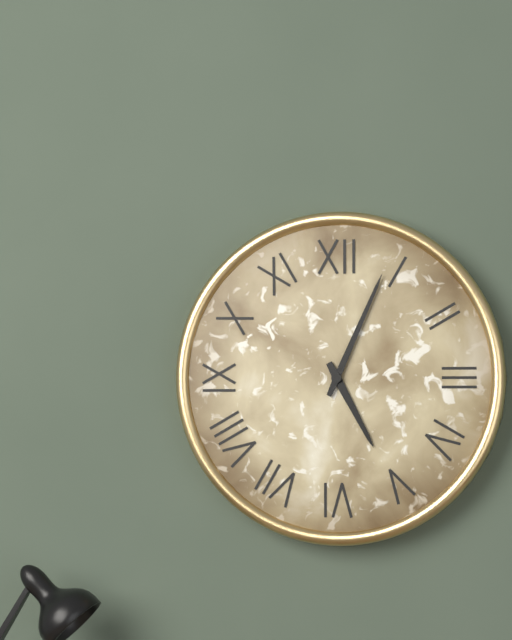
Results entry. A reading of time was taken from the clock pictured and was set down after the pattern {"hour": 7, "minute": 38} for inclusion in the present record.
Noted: {"hour": 5, "minute": 4}
